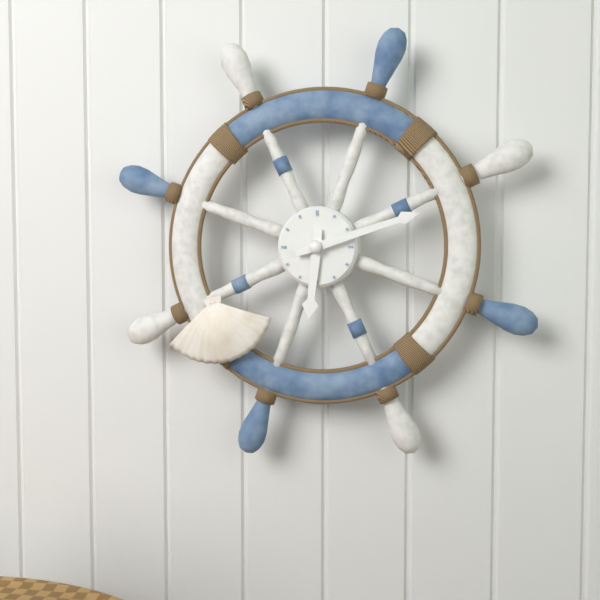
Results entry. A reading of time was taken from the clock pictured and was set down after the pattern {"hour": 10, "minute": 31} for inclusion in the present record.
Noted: {"hour": 6, "minute": 12}
